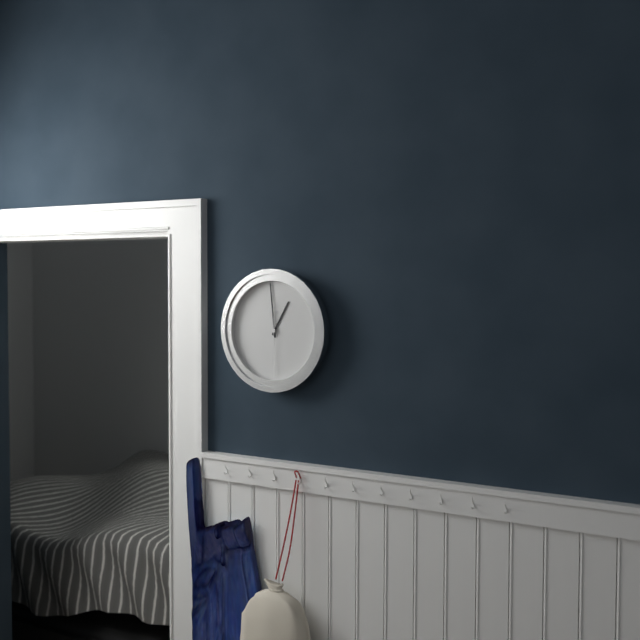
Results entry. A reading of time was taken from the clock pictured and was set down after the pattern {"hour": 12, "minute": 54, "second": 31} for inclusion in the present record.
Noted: {"hour": 12, "minute": 59, "second": 30}
